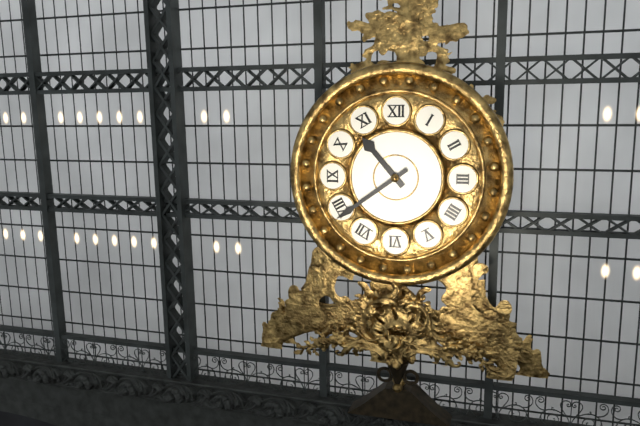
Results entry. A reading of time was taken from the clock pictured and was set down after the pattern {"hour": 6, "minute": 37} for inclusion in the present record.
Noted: {"hour": 10, "minute": 39}
